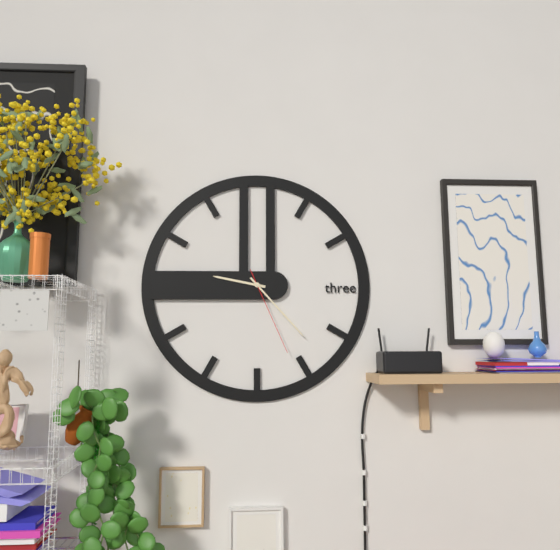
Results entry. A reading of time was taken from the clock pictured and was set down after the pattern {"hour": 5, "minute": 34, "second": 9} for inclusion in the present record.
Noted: {"hour": 9, "minute": 23, "second": 26}
